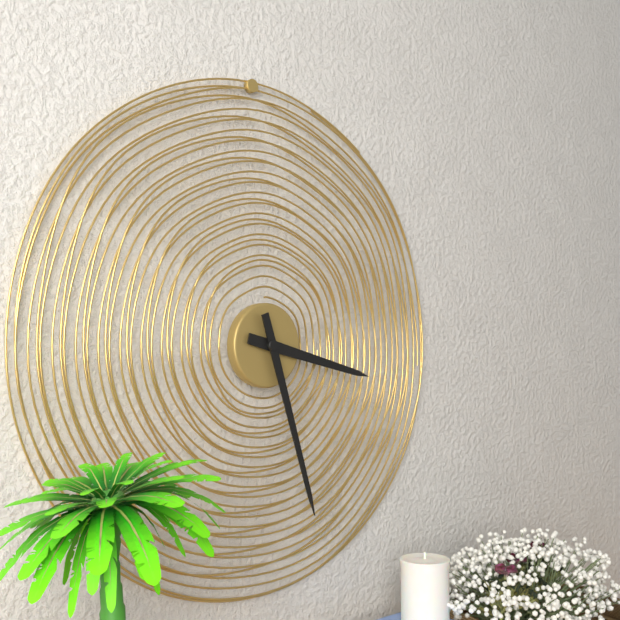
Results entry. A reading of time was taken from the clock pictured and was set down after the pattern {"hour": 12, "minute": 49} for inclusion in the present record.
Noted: {"hour": 3, "minute": 27}
